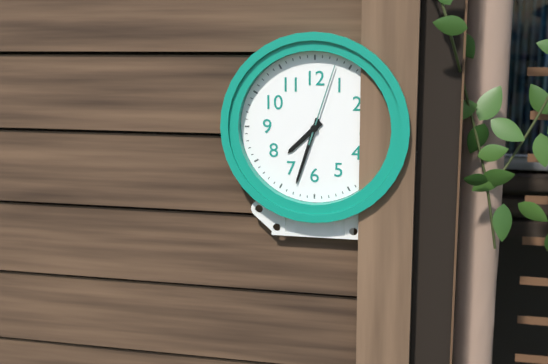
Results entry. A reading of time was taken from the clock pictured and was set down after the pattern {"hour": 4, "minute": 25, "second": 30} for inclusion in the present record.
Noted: {"hour": 7, "minute": 33, "second": 3}
